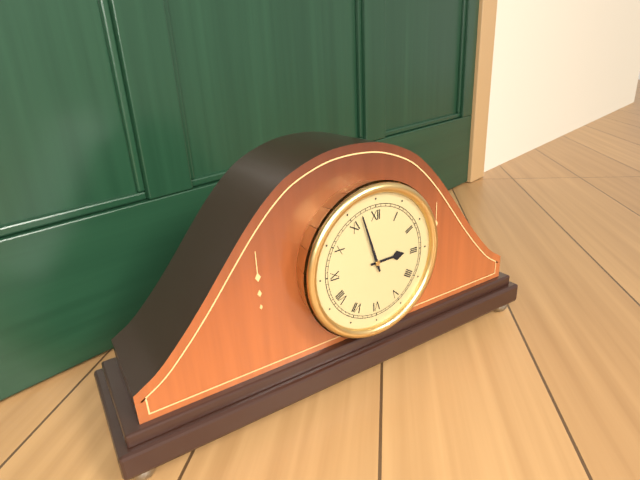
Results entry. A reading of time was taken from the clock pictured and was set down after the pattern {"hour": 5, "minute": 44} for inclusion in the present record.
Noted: {"hour": 2, "minute": 57}
